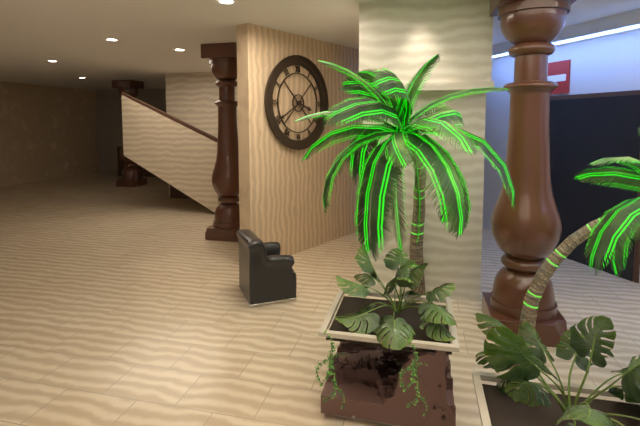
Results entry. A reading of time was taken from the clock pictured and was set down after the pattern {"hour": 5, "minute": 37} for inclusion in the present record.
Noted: {"hour": 3, "minute": 40}
